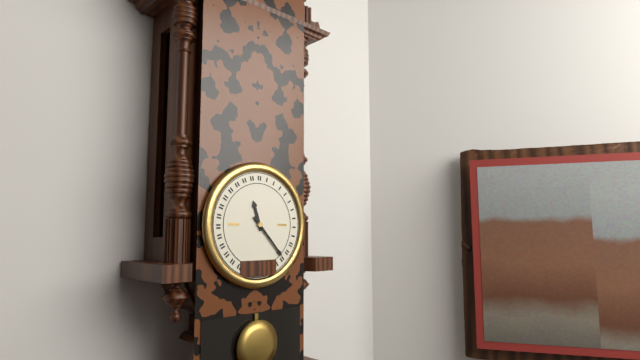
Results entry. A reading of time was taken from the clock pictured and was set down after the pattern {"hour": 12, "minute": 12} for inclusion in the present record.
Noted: {"hour": 11, "minute": 23}
